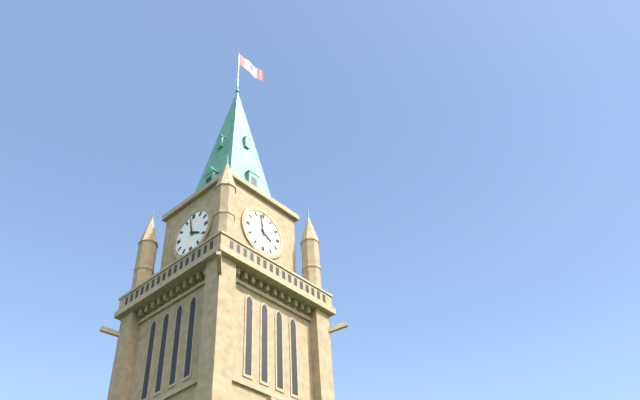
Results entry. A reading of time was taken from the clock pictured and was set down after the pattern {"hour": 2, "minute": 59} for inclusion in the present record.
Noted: {"hour": 3, "minute": 58}
